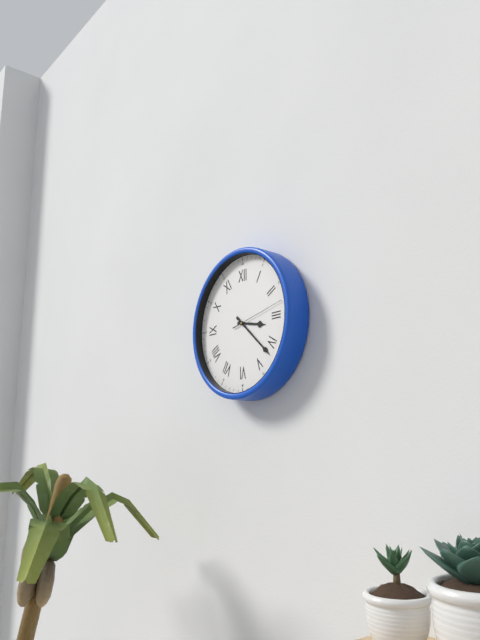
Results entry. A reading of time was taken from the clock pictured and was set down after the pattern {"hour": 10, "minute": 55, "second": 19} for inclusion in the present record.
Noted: {"hour": 3, "minute": 22, "second": 13}
